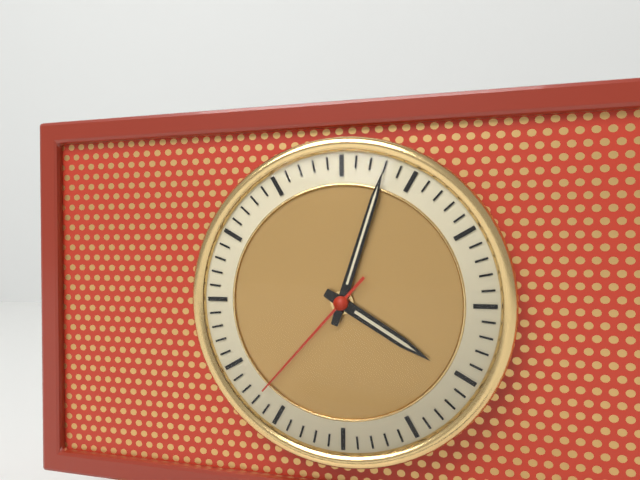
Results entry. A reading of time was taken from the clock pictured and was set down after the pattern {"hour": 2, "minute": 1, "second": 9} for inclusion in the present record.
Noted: {"hour": 4, "minute": 3, "second": 37}
